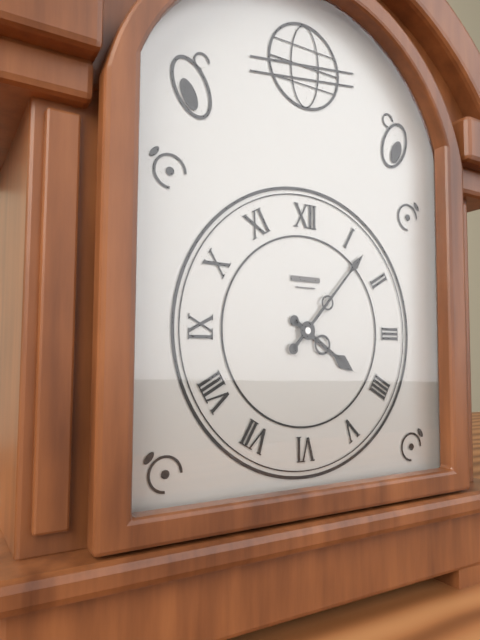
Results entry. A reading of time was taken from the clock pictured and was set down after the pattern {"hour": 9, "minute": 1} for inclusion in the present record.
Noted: {"hour": 4, "minute": 7}
